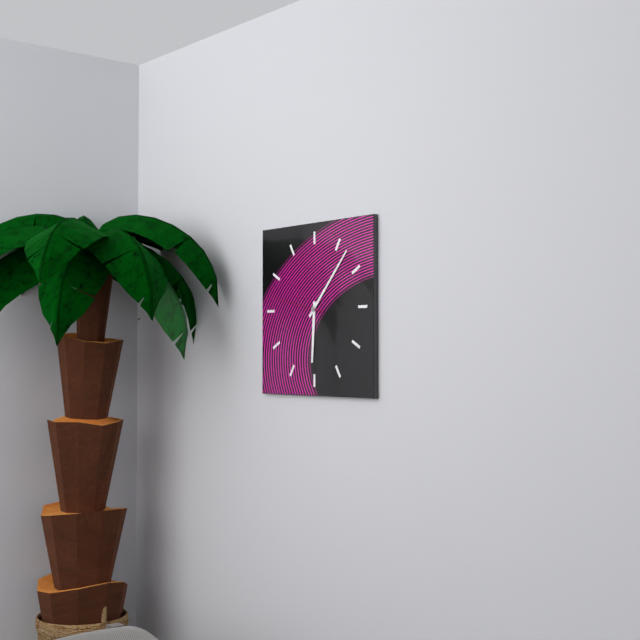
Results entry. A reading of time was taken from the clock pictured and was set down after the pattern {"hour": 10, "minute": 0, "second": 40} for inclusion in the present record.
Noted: {"hour": 6, "minute": 7, "second": 47}
